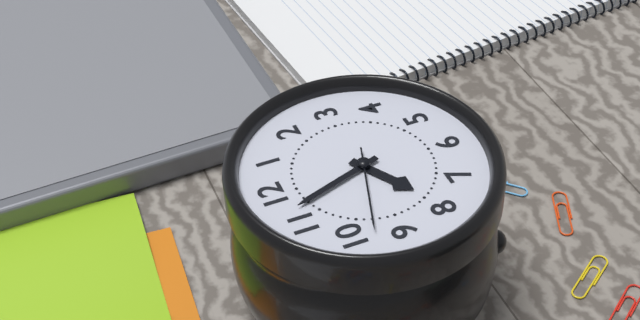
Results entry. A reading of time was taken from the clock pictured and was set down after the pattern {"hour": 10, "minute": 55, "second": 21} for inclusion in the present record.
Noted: {"hour": 7, "minute": 57, "second": 48}
